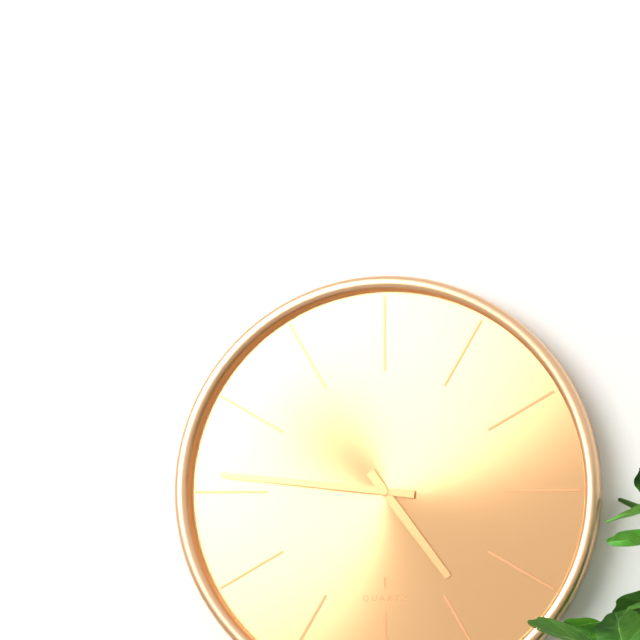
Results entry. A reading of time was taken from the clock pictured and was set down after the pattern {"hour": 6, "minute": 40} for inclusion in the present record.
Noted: {"hour": 4, "minute": 46}
